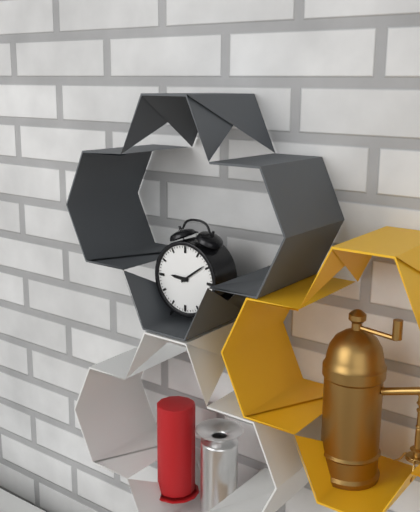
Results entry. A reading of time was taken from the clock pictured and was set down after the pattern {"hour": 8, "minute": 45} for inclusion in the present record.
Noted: {"hour": 9, "minute": 9}
